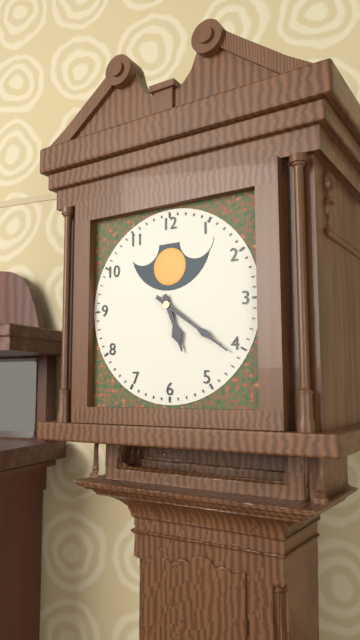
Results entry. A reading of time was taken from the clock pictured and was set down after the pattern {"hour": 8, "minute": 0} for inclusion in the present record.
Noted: {"hour": 5, "minute": 21}
